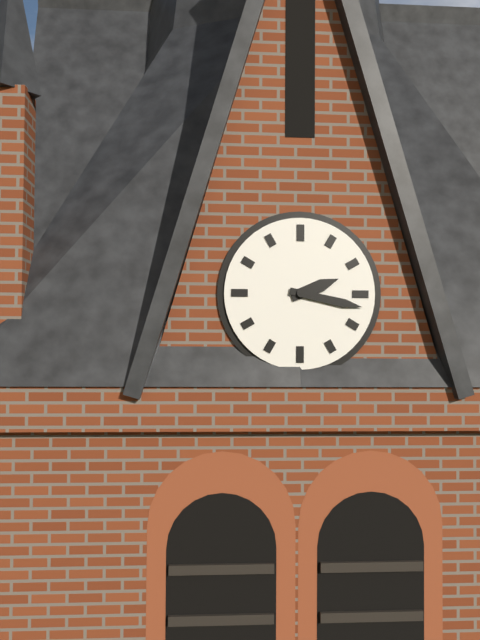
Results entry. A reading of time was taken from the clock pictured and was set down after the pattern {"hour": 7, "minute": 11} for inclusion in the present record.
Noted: {"hour": 2, "minute": 17}
